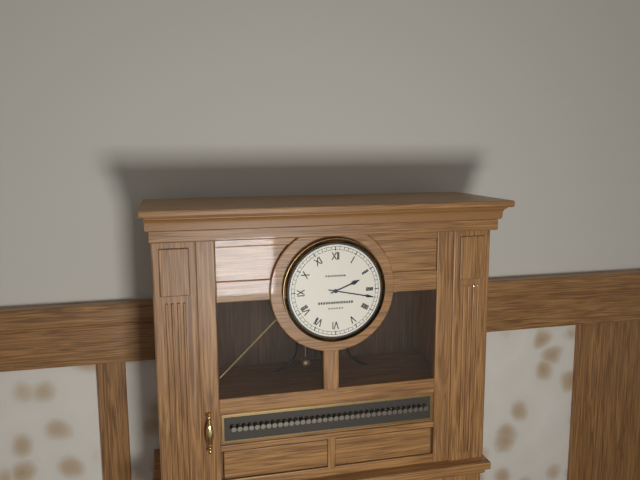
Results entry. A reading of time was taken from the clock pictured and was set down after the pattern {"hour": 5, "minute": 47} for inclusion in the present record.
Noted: {"hour": 2, "minute": 17}
